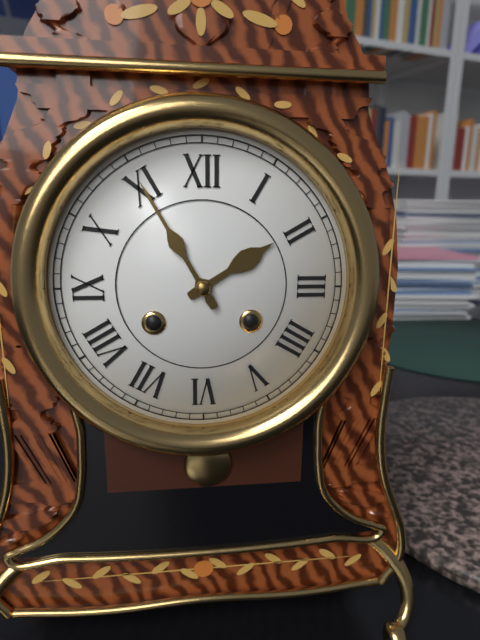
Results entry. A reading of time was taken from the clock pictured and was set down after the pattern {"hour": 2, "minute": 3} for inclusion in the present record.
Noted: {"hour": 1, "minute": 55}
